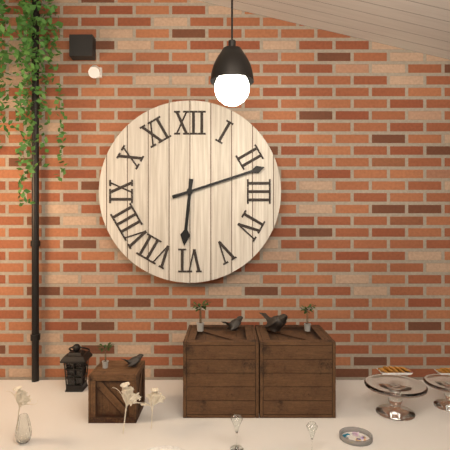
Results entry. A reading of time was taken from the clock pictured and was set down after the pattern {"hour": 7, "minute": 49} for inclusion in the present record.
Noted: {"hour": 6, "minute": 12}
